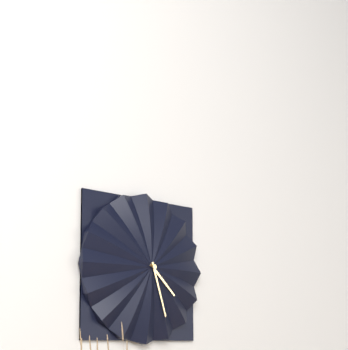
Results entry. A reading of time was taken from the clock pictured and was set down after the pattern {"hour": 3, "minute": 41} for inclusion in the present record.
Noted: {"hour": 4, "minute": 27}
